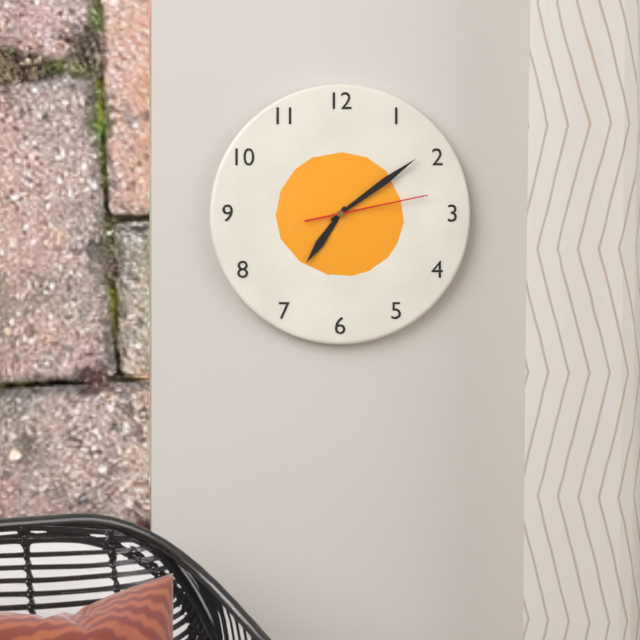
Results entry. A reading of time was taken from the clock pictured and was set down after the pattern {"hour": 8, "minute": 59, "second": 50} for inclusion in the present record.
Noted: {"hour": 7, "minute": 9, "second": 13}
